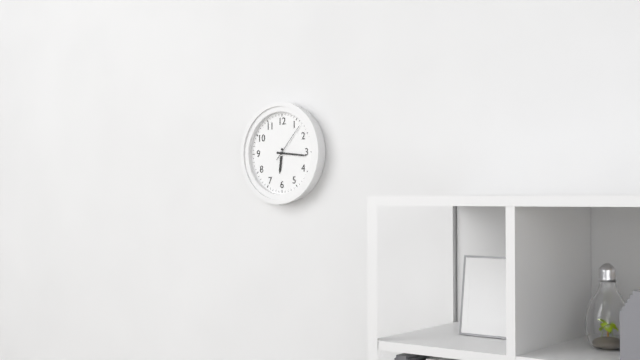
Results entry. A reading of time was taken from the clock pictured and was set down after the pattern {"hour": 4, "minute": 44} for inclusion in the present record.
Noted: {"hour": 6, "minute": 16}
